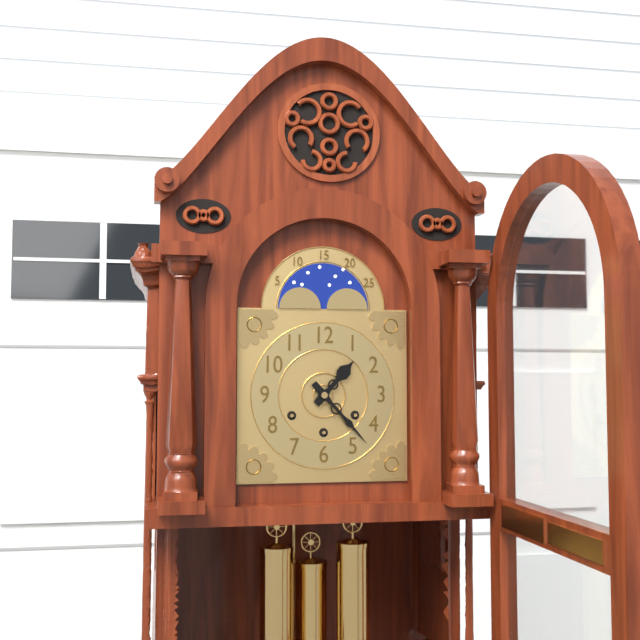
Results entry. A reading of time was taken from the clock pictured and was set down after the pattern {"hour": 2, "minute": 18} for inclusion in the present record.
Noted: {"hour": 1, "minute": 23}
